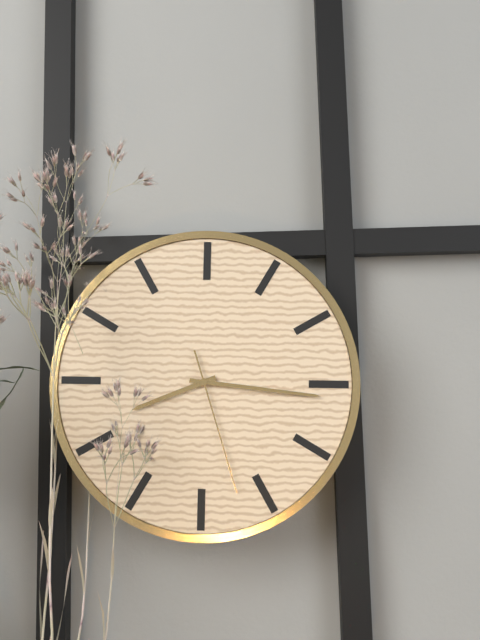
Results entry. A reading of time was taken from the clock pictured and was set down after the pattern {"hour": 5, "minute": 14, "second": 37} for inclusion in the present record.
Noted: {"hour": 8, "minute": 16, "second": 27}
